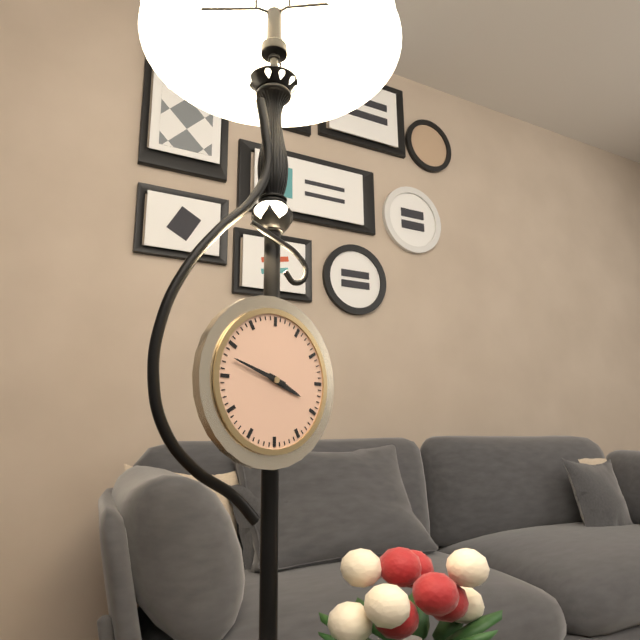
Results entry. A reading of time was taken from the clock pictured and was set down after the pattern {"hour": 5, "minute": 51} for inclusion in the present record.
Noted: {"hour": 3, "minute": 48}
